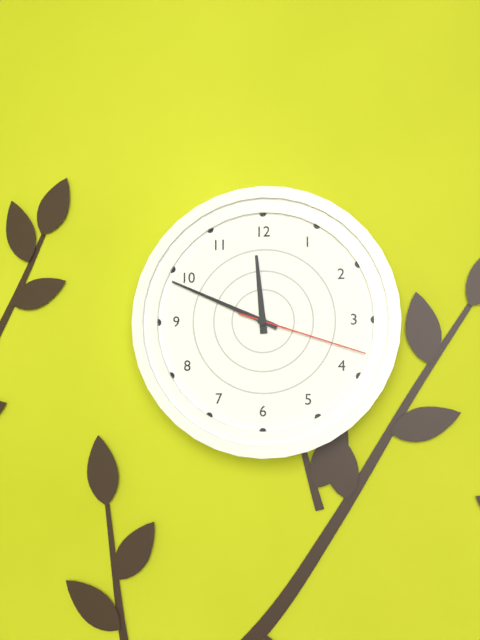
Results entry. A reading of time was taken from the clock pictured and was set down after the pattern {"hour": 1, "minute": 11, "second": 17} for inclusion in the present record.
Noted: {"hour": 11, "minute": 49, "second": 18}
